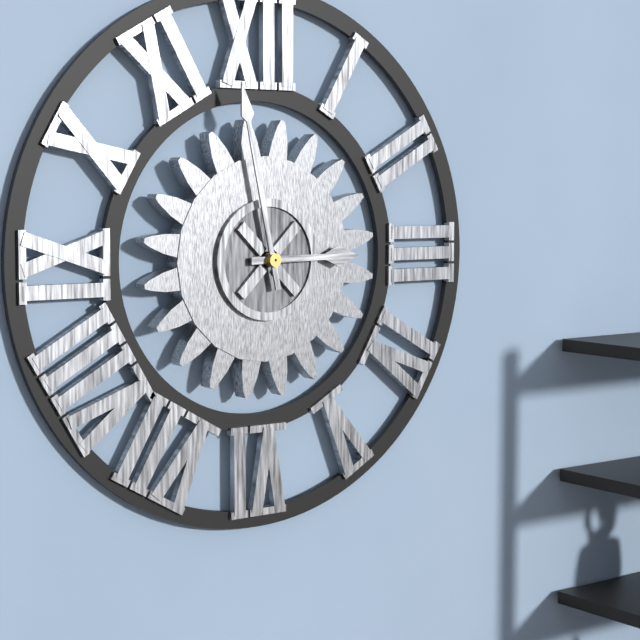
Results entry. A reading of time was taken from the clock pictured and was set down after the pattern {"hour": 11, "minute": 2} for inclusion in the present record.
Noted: {"hour": 2, "minute": 58}
